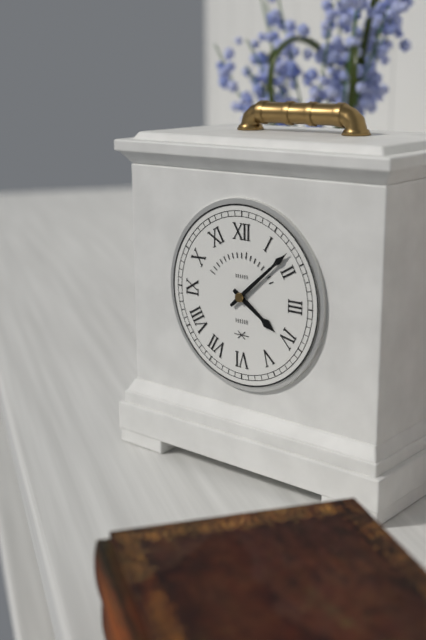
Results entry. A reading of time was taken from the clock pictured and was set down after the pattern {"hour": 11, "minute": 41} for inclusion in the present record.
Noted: {"hour": 4, "minute": 8}
